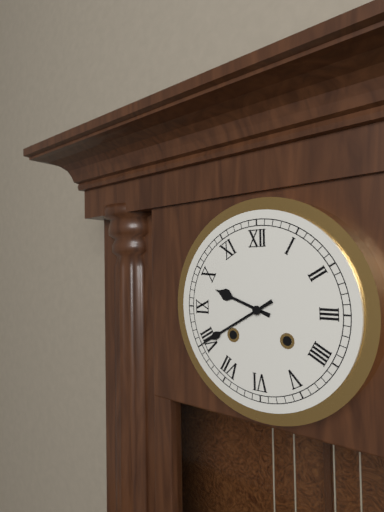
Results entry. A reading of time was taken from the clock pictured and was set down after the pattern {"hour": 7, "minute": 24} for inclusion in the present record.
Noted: {"hour": 9, "minute": 40}
